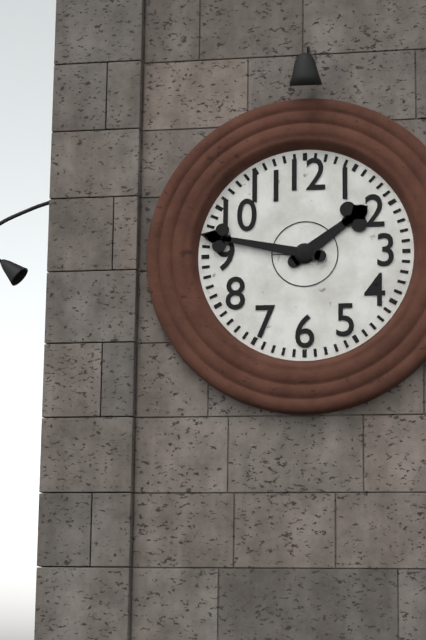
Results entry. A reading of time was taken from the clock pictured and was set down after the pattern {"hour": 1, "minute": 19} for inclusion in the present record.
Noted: {"hour": 1, "minute": 47}
